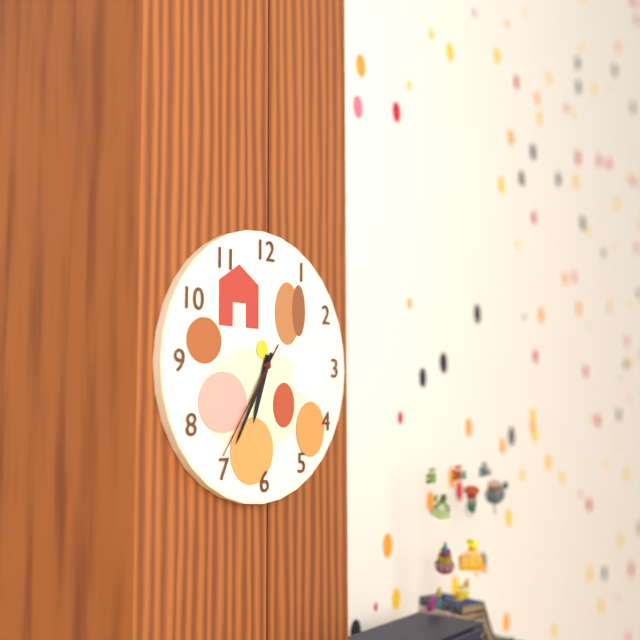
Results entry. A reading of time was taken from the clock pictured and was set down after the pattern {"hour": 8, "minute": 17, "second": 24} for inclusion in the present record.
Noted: {"hour": 6, "minute": 35, "second": 36}
